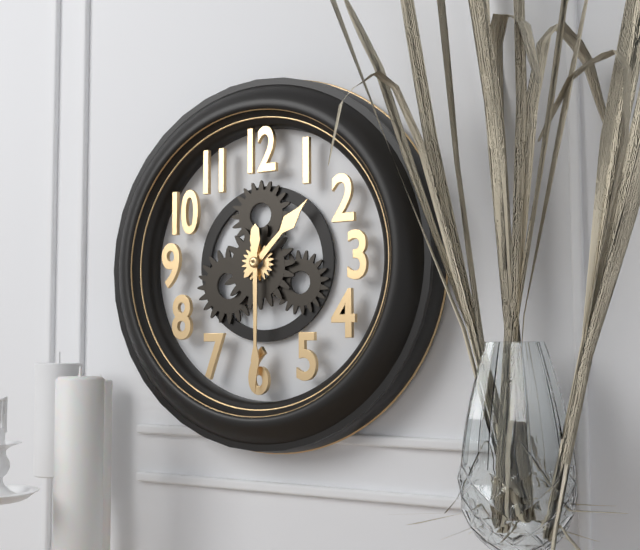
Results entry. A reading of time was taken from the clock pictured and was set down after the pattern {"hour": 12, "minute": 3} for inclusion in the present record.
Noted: {"hour": 1, "minute": 30}
